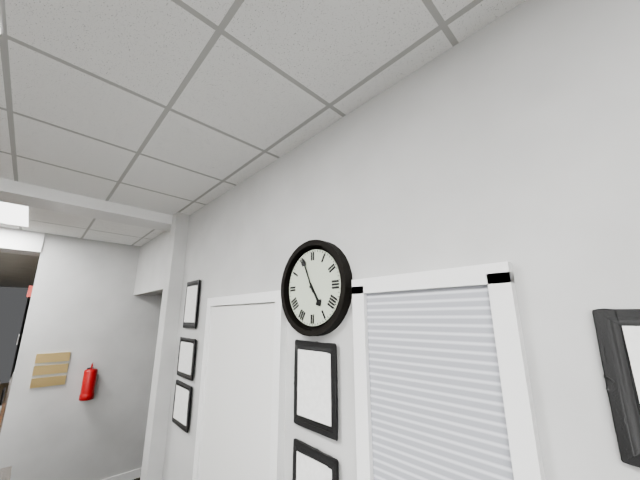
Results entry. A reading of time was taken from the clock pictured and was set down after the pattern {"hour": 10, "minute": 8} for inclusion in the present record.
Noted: {"hour": 4, "minute": 56}
